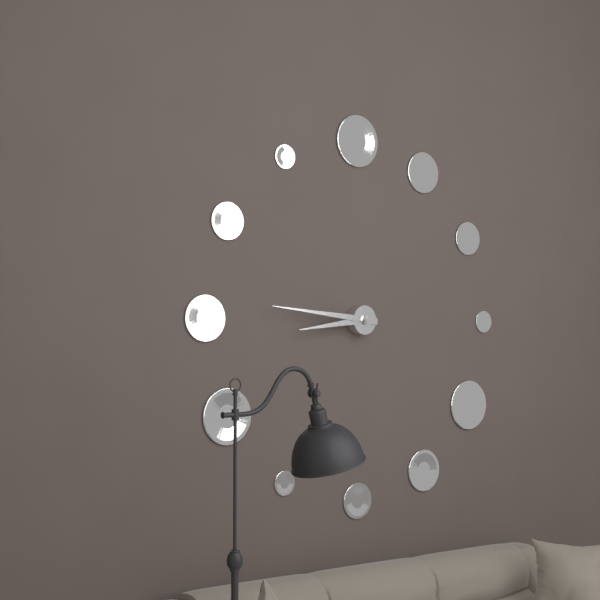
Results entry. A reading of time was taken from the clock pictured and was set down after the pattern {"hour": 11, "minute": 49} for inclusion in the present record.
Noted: {"hour": 8, "minute": 46}
